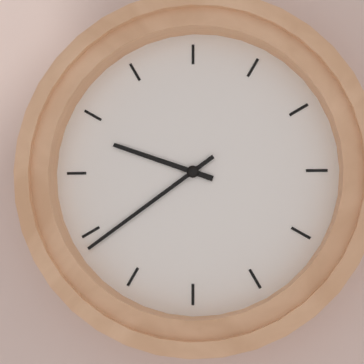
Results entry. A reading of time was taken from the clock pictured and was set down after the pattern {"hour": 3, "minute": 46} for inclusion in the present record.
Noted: {"hour": 9, "minute": 39}
